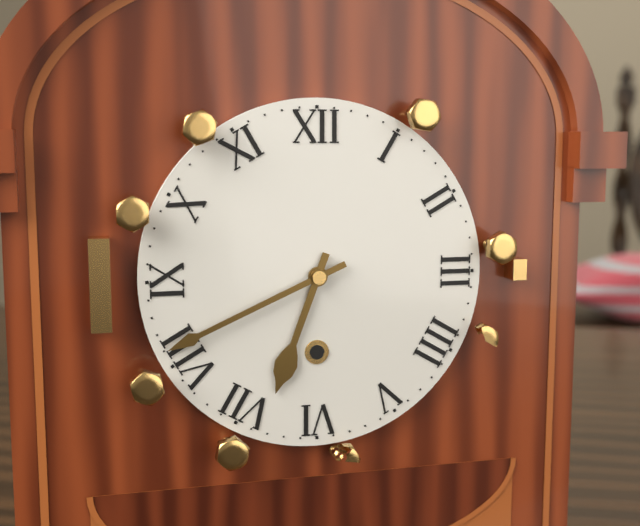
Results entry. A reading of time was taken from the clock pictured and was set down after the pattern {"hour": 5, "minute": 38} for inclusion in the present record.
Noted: {"hour": 6, "minute": 41}
